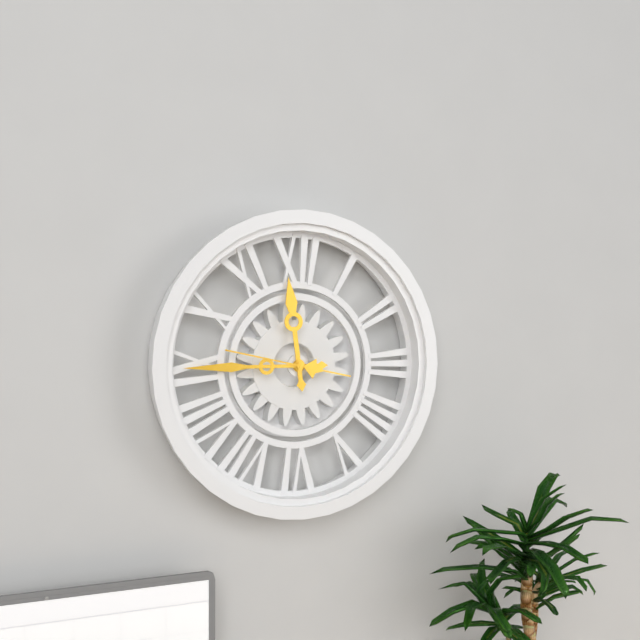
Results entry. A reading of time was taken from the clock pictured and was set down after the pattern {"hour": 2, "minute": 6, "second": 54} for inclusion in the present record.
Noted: {"hour": 11, "minute": 45, "second": 47}
